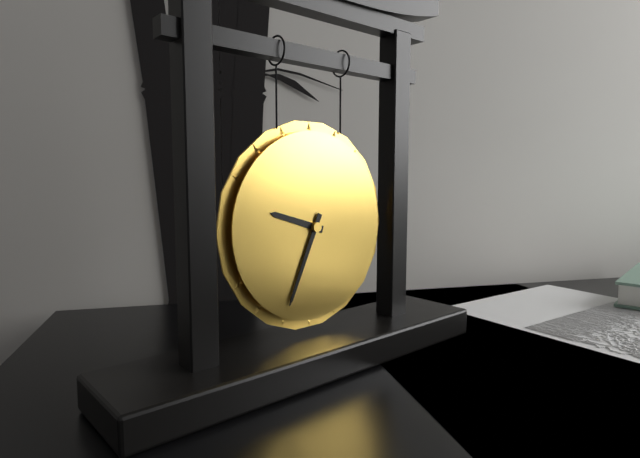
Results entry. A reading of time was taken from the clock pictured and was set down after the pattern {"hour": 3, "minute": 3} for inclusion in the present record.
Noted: {"hour": 9, "minute": 34}
